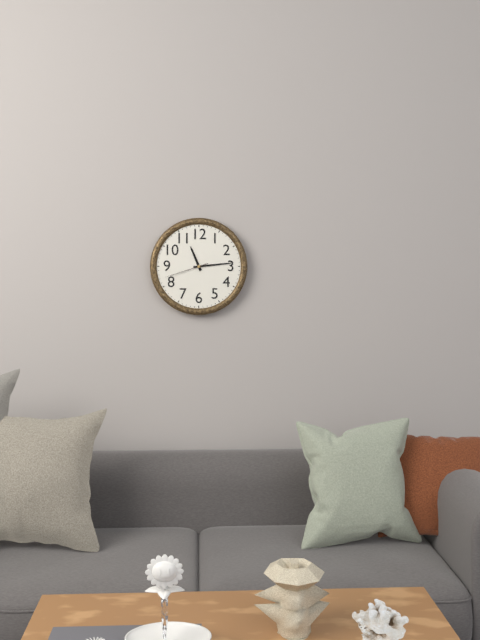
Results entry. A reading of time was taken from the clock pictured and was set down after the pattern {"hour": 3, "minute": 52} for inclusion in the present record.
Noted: {"hour": 11, "minute": 14}
